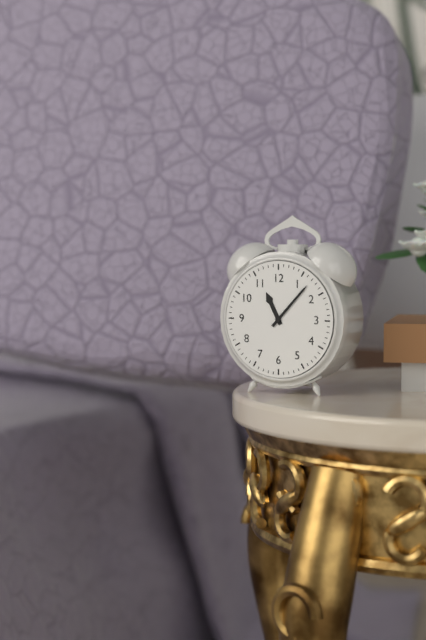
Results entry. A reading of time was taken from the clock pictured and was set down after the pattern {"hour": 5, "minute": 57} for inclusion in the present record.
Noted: {"hour": 11, "minute": 7}
